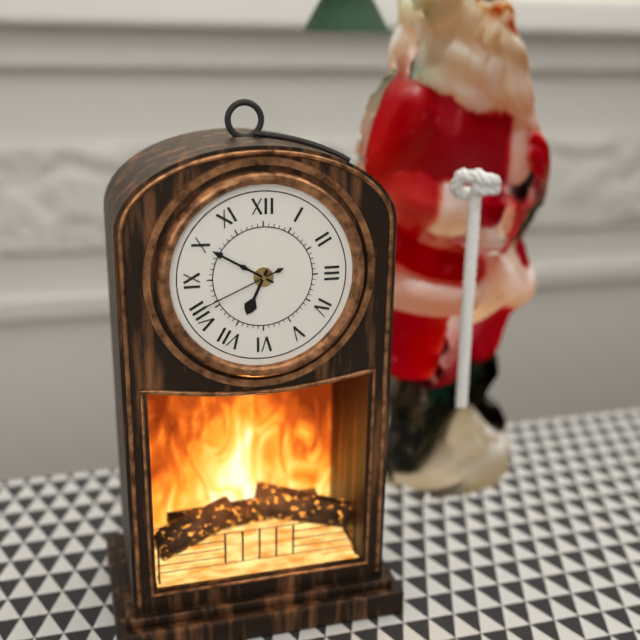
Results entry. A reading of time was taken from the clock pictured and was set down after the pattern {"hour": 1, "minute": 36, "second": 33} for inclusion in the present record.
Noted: {"hour": 6, "minute": 50, "second": 41}
